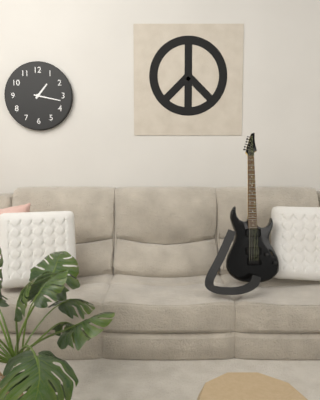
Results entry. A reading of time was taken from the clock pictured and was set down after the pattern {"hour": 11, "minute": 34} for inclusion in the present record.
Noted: {"hour": 1, "minute": 17}
